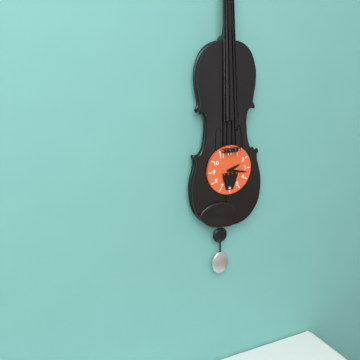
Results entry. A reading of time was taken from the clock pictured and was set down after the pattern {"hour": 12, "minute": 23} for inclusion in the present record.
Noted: {"hour": 2, "minute": 17}
